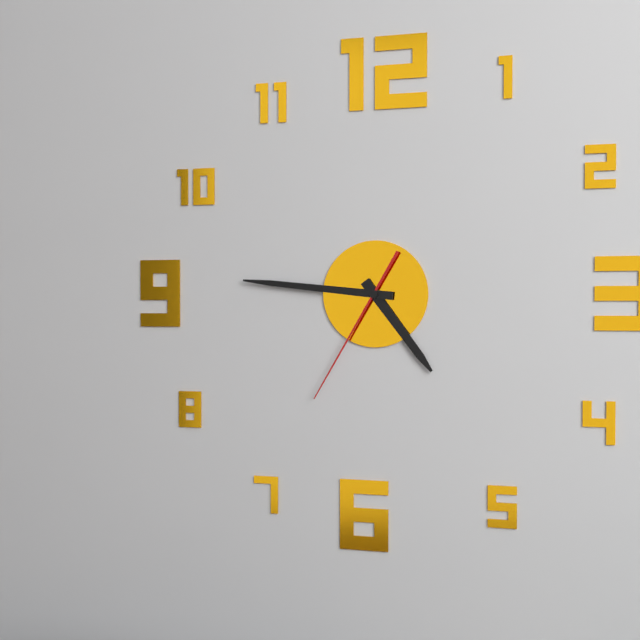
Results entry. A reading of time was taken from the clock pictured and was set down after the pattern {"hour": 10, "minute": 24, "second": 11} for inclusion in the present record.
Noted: {"hour": 4, "minute": 46, "second": 35}
